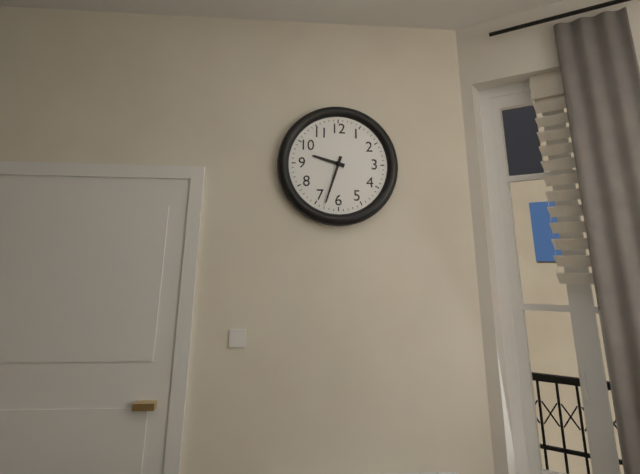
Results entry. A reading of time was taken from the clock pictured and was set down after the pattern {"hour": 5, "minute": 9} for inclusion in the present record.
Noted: {"hour": 9, "minute": 33}
